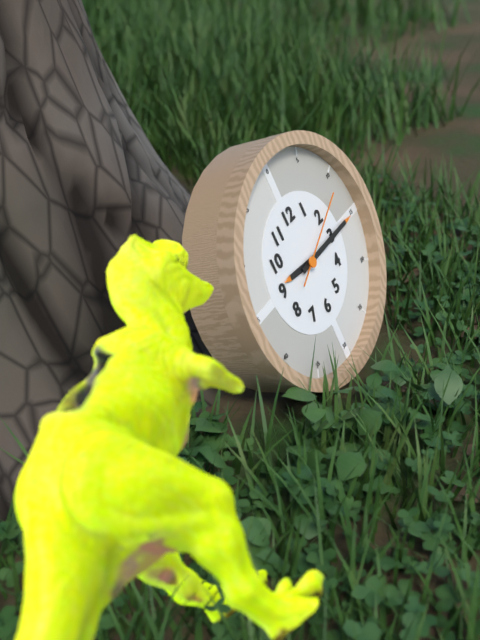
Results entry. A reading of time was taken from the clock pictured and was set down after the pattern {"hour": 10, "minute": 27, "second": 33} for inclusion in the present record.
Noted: {"hour": 9, "minute": 15, "second": 11}
